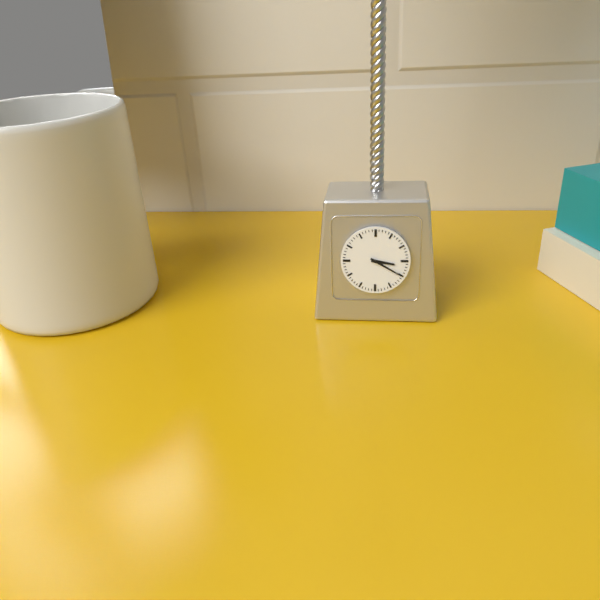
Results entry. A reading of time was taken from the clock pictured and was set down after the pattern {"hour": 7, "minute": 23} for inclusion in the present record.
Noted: {"hour": 3, "minute": 20}
